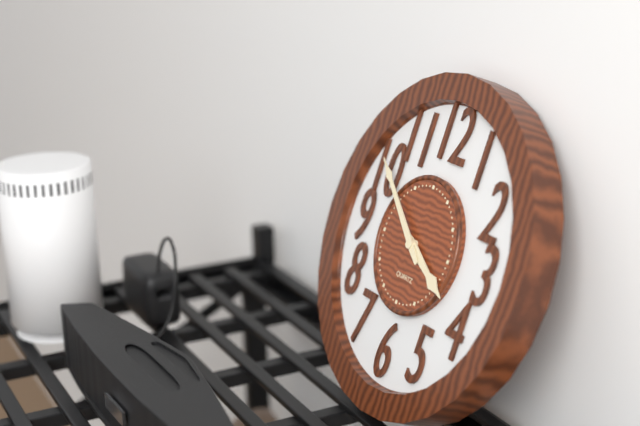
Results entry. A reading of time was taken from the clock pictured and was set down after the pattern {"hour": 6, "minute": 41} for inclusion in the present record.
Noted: {"hour": 3, "minute": 51}
